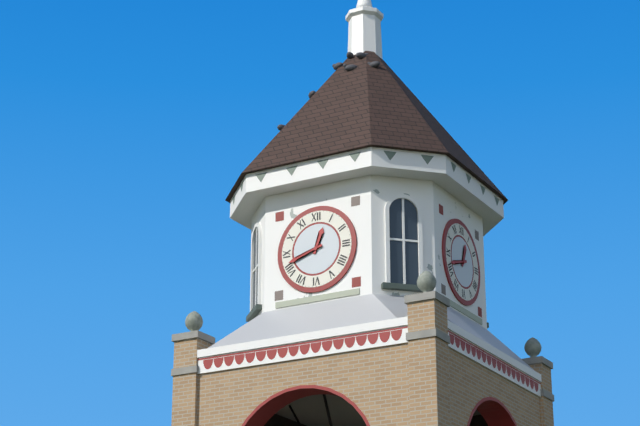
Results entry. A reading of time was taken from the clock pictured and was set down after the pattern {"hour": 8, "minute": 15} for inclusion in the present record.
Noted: {"hour": 12, "minute": 42}
